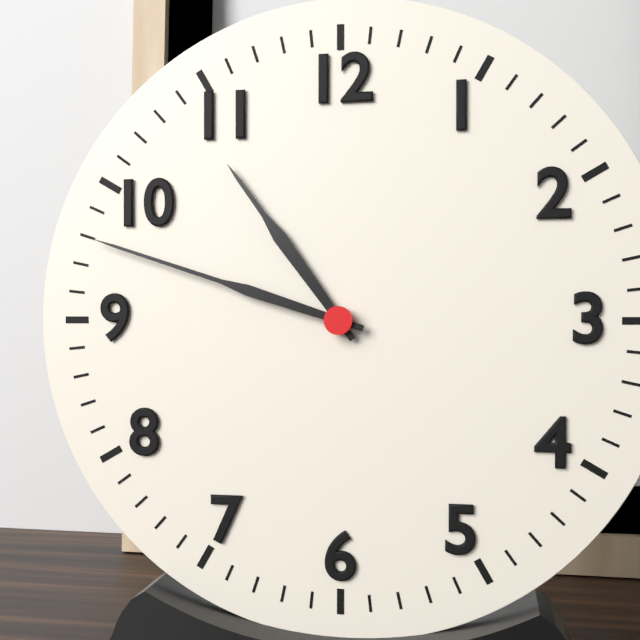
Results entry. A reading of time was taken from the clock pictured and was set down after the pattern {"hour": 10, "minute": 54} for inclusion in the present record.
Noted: {"hour": 10, "minute": 48}
